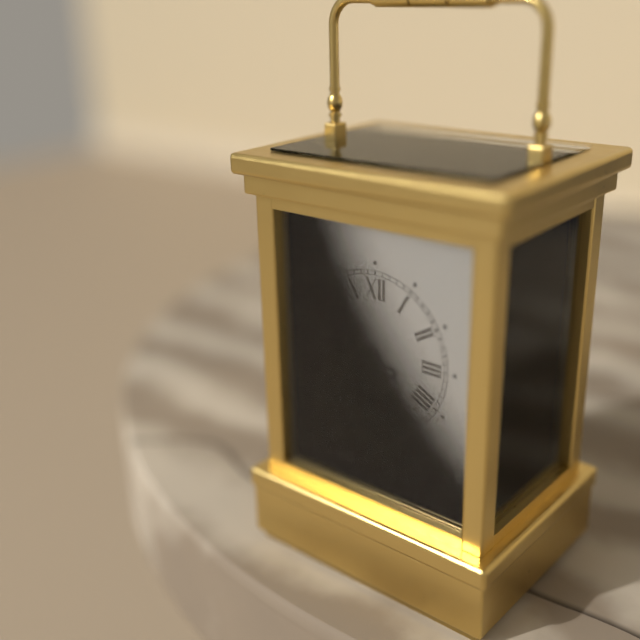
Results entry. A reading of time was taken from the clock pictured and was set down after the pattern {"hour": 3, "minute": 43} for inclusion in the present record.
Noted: {"hour": 4, "minute": 24}
